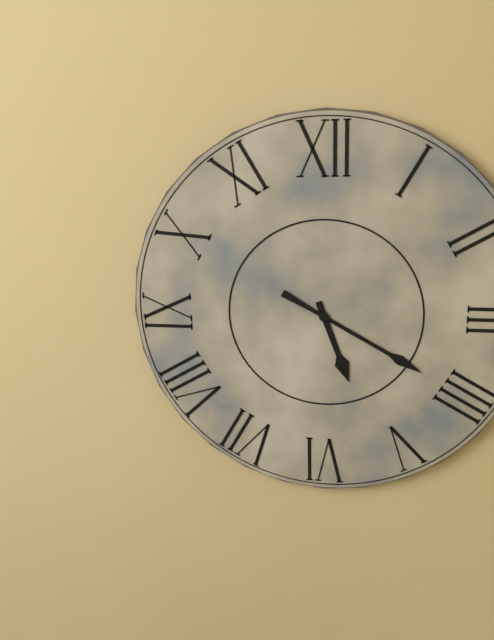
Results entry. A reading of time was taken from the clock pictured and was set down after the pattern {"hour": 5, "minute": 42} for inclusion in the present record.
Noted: {"hour": 5, "minute": 20}
